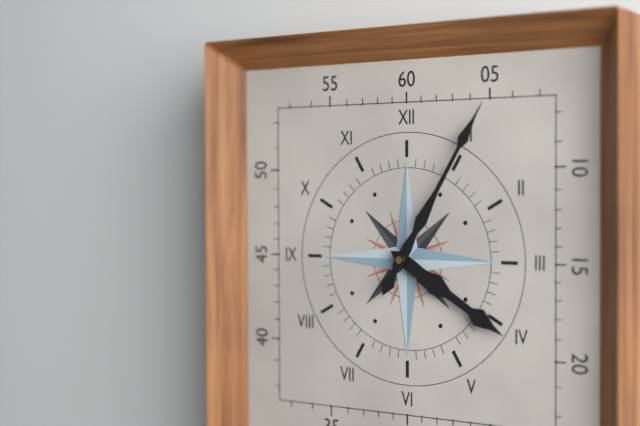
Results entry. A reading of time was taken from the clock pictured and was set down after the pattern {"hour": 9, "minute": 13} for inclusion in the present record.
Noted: {"hour": 4, "minute": 5}
